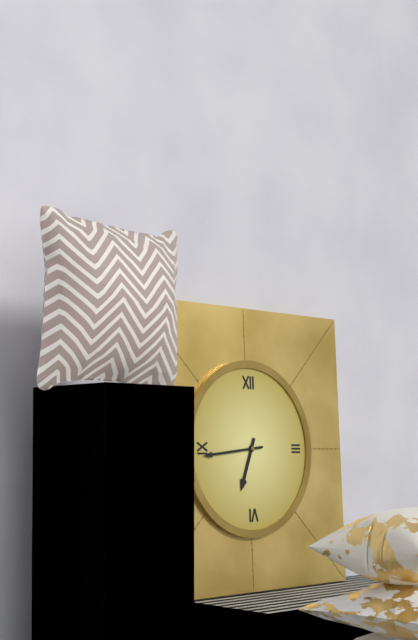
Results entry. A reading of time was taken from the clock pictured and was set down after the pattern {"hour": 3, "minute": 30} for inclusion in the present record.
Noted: {"hour": 6, "minute": 44}
